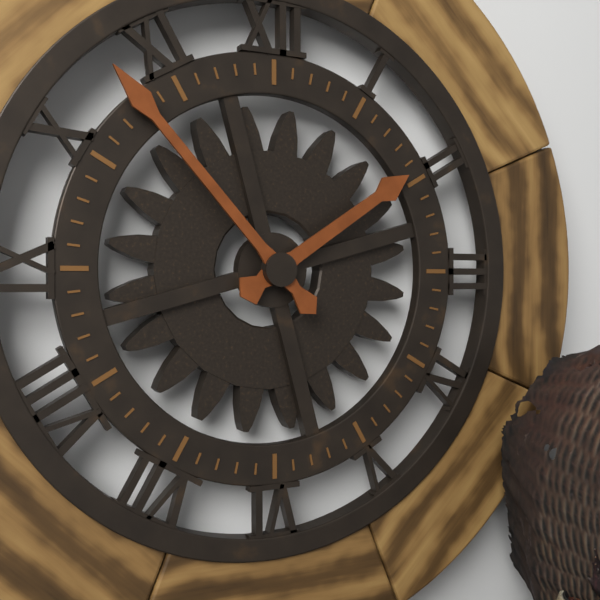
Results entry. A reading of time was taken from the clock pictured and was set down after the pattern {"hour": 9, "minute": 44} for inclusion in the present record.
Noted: {"hour": 1, "minute": 53}
